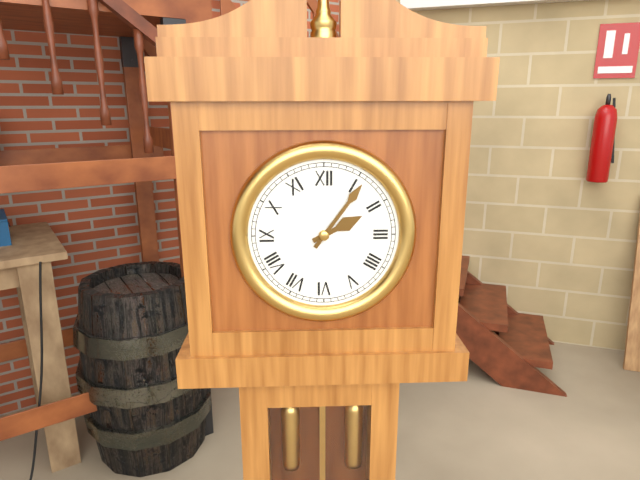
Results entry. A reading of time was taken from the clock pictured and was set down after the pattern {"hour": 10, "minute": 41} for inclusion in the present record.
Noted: {"hour": 2, "minute": 6}
